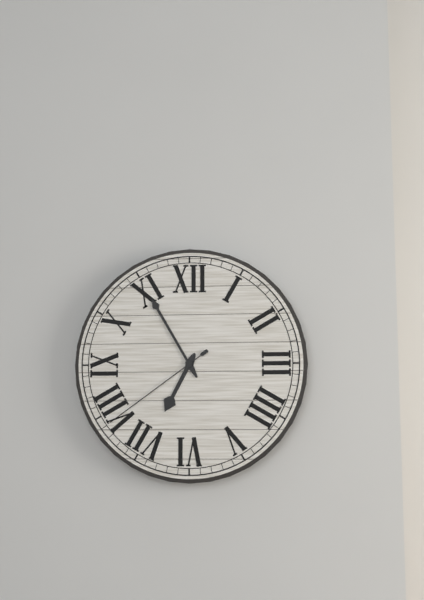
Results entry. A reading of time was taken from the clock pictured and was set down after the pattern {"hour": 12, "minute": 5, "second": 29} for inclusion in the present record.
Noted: {"hour": 6, "minute": 55, "second": 39}
